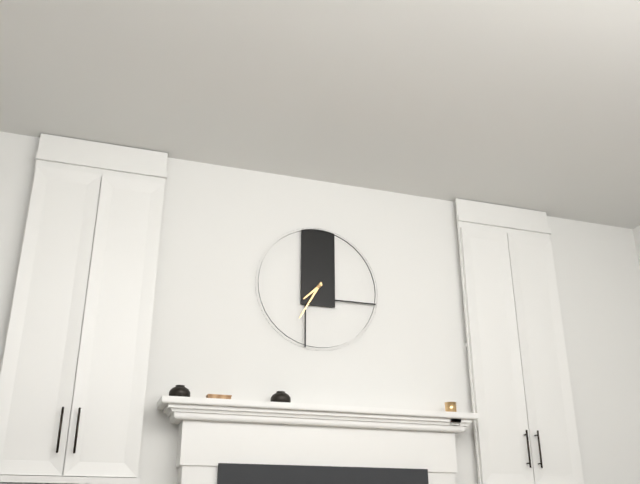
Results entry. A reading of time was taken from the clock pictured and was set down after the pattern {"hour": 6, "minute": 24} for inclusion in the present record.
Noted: {"hour": 7, "minute": 35}
